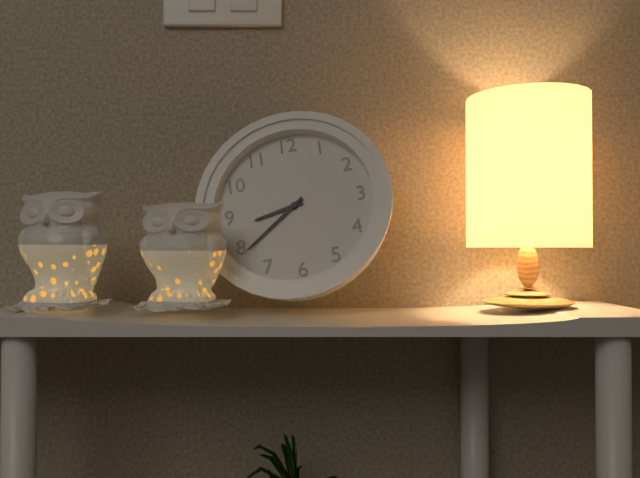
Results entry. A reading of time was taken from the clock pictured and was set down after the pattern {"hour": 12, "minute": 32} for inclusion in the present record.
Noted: {"hour": 8, "minute": 39}
